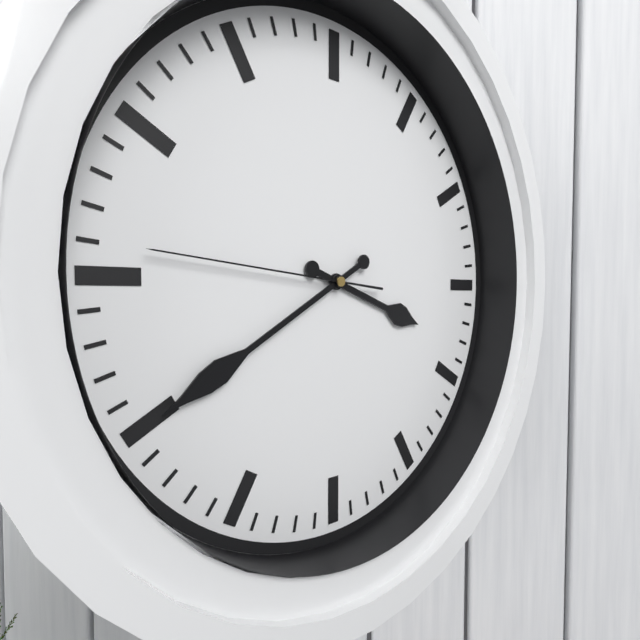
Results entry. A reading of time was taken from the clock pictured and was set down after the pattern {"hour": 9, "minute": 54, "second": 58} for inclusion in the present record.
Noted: {"hour": 3, "minute": 40, "second": 46}
